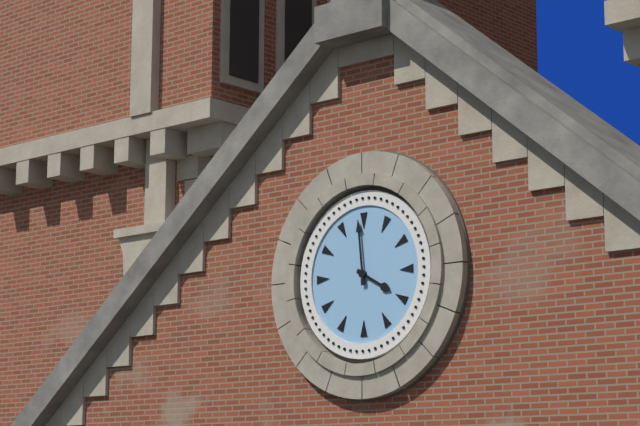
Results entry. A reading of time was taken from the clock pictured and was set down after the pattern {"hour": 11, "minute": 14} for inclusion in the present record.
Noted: {"hour": 3, "minute": 59}
